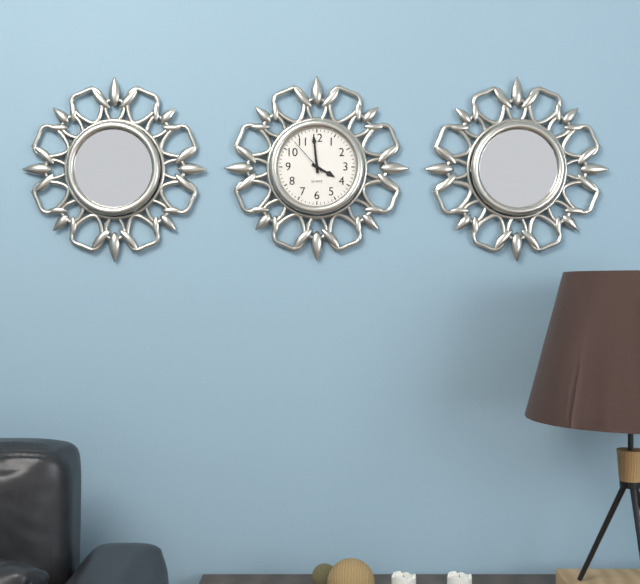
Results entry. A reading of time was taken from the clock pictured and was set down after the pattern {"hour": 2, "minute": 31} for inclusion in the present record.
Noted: {"hour": 3, "minute": 59}
